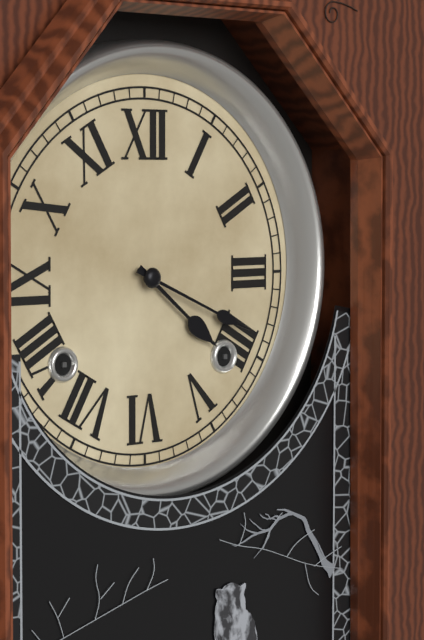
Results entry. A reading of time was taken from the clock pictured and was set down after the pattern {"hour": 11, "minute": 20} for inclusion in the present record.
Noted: {"hour": 4, "minute": 19}
